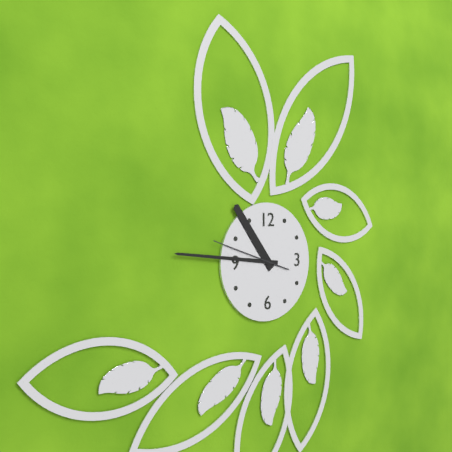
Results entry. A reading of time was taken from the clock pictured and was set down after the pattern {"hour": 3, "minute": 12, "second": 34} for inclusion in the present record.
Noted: {"hour": 10, "minute": 46, "second": 48}
